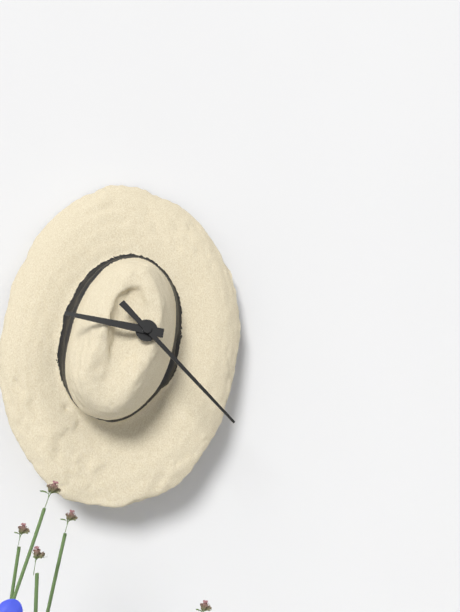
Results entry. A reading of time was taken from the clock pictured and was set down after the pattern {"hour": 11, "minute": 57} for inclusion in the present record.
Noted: {"hour": 9, "minute": 23}
